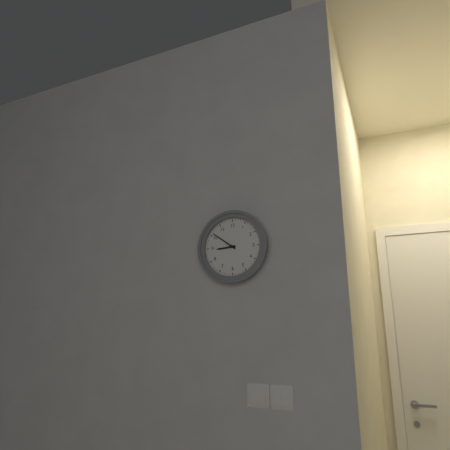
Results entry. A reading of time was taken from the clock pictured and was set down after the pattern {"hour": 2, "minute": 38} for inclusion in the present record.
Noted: {"hour": 8, "minute": 51}
